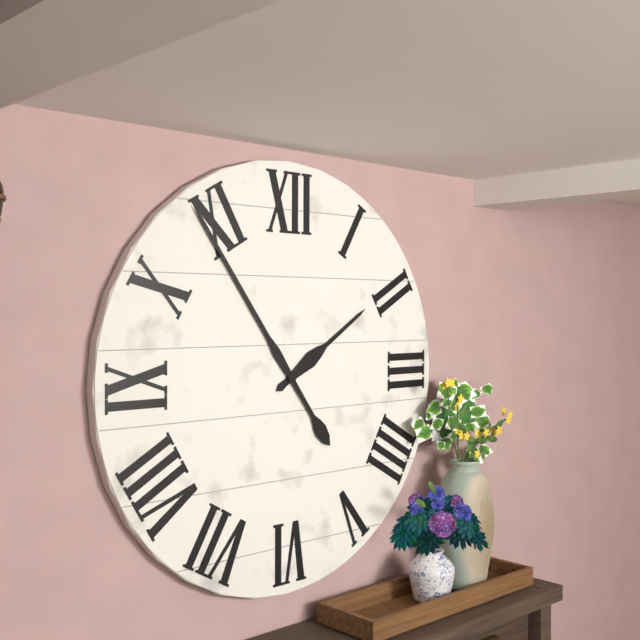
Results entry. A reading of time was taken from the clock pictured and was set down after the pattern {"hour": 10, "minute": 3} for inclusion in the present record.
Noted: {"hour": 1, "minute": 54}
